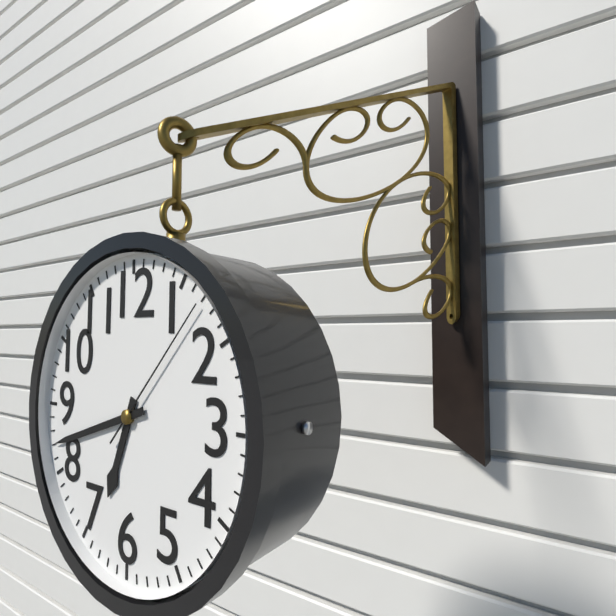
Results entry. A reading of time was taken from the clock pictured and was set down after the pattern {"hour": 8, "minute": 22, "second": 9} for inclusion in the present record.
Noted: {"hour": 6, "minute": 42, "second": 7}
